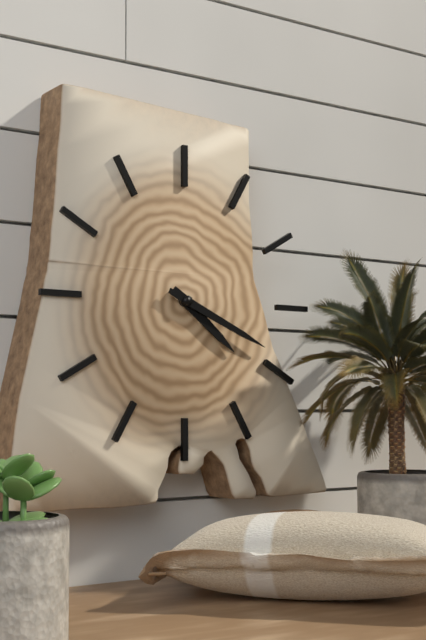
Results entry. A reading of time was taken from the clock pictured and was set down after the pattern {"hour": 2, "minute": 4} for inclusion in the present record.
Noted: {"hour": 4, "minute": 19}
